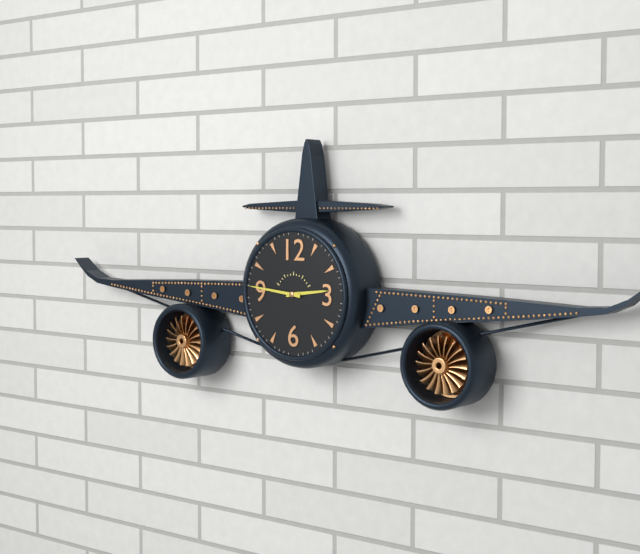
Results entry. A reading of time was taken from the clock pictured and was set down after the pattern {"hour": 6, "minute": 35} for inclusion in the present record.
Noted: {"hour": 2, "minute": 46}
